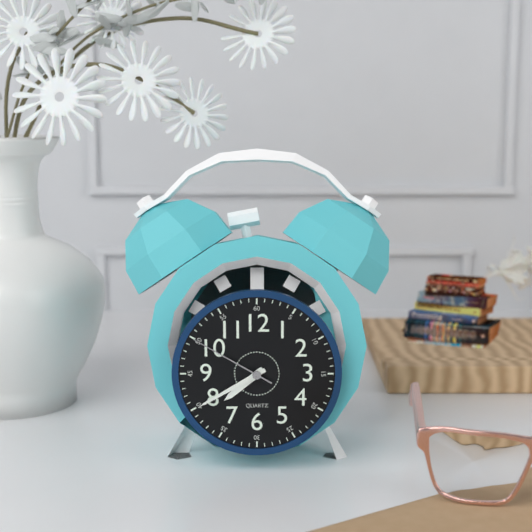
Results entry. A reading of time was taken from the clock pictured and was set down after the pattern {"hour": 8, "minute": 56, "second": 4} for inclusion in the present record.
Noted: {"hour": 7, "minute": 40, "second": 50}
